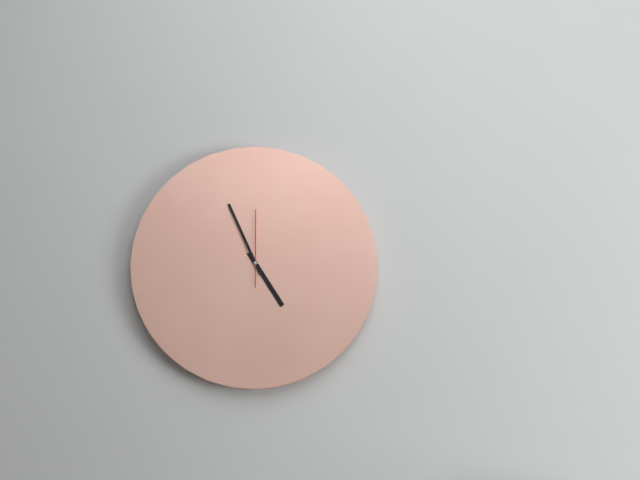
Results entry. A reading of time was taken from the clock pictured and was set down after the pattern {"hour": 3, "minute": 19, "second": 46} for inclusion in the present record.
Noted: {"hour": 4, "minute": 56, "second": 0}
